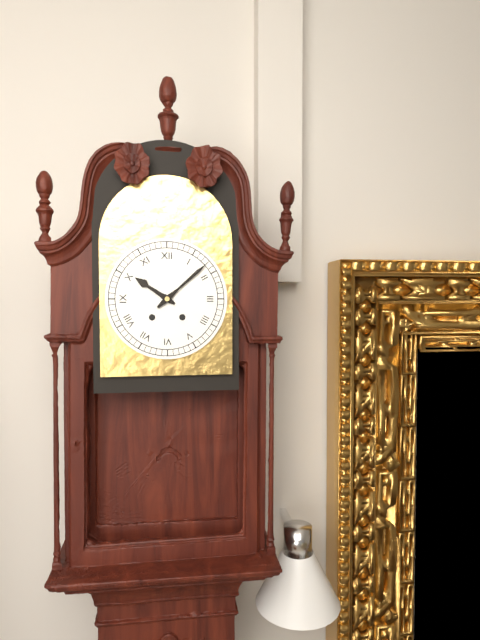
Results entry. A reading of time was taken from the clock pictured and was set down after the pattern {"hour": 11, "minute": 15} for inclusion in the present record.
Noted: {"hour": 10, "minute": 8}
